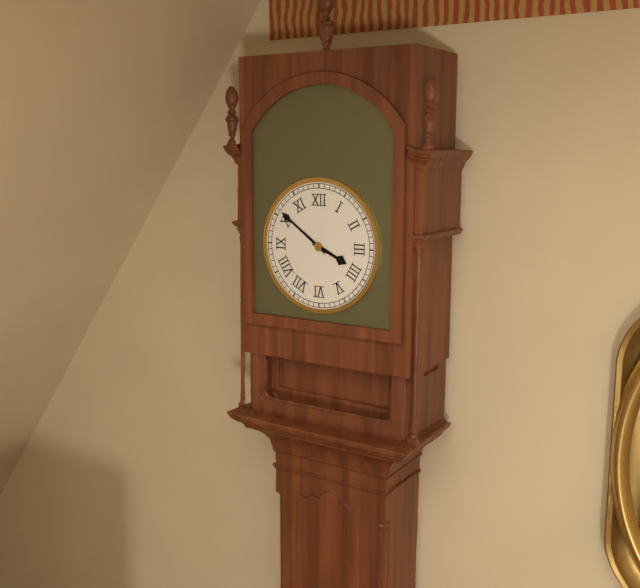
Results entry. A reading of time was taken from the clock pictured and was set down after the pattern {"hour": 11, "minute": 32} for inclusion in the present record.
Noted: {"hour": 3, "minute": 51}
